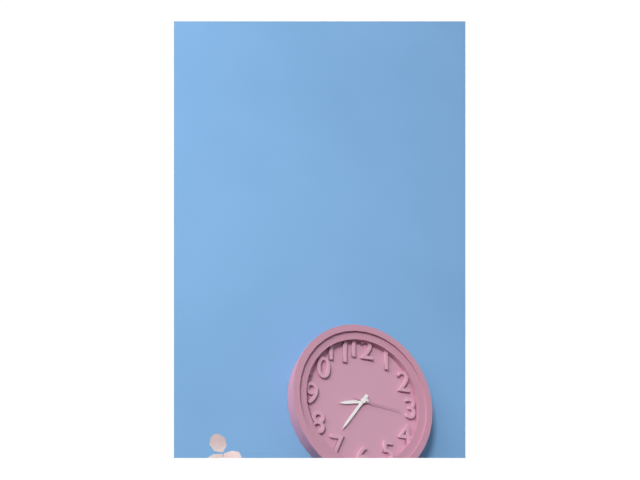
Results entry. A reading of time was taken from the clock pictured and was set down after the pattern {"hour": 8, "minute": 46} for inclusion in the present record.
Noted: {"hour": 8, "minute": 36}
